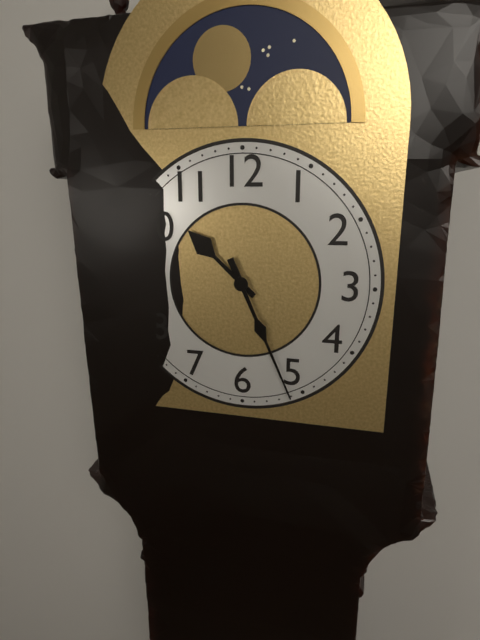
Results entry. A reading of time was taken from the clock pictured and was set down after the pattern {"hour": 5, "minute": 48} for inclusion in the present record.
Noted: {"hour": 10, "minute": 26}
